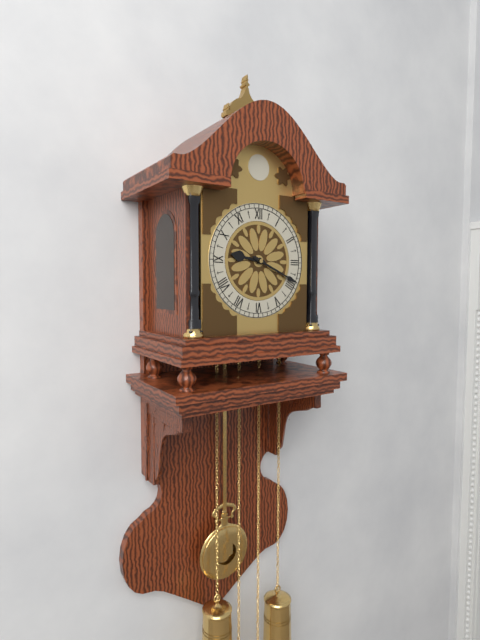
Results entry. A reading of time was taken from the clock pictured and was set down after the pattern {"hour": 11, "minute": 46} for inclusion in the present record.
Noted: {"hour": 9, "minute": 19}
